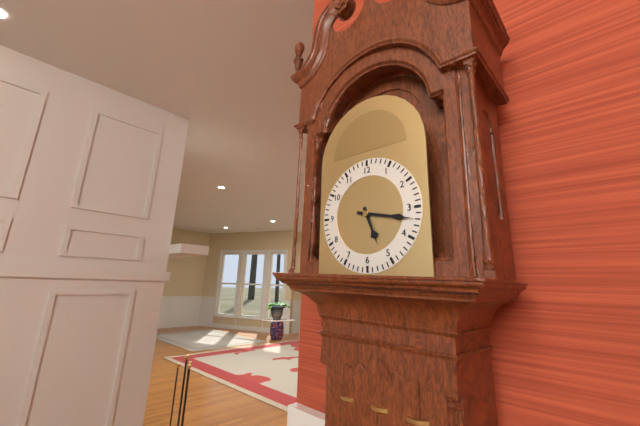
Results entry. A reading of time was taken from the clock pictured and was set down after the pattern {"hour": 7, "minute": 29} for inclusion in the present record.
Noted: {"hour": 5, "minute": 17}
